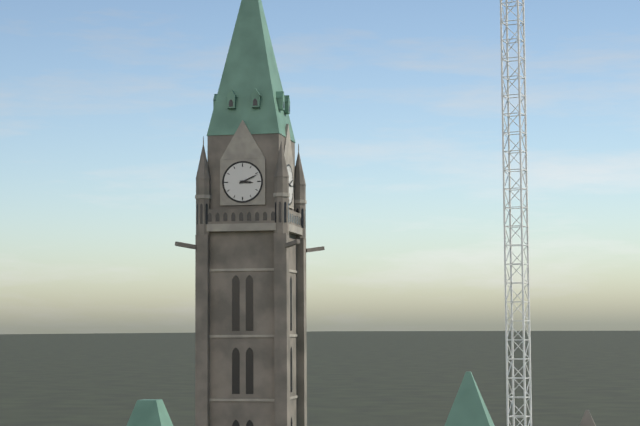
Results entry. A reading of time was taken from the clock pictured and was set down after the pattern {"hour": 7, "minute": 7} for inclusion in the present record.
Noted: {"hour": 3, "minute": 11}
